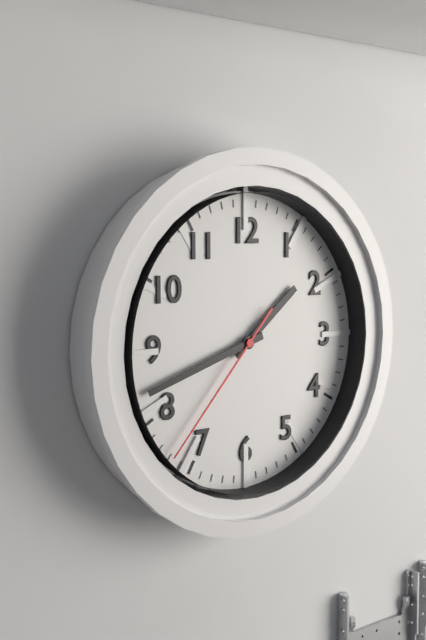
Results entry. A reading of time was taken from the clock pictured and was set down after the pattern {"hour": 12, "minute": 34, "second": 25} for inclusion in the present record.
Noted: {"hour": 1, "minute": 42, "second": 37}
